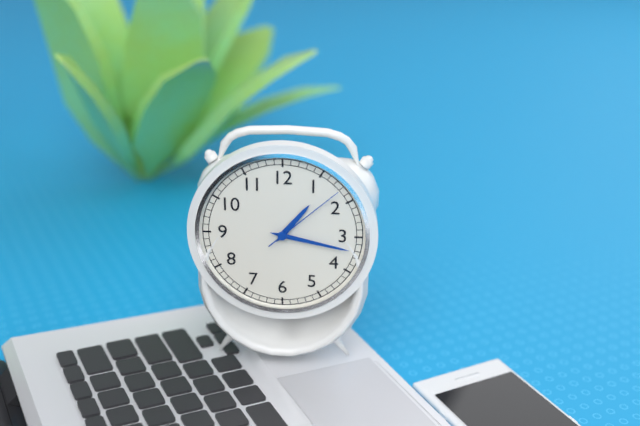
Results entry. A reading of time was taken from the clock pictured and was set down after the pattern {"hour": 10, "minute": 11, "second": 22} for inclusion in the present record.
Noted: {"hour": 1, "minute": 17, "second": 8}
